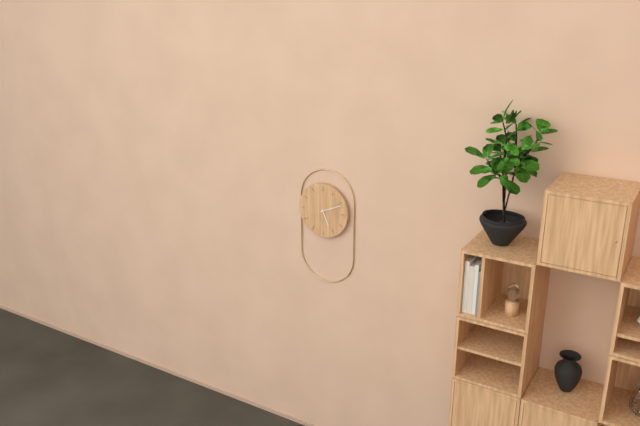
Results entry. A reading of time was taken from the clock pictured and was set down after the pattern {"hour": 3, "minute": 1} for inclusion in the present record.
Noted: {"hour": 5, "minute": 11}
